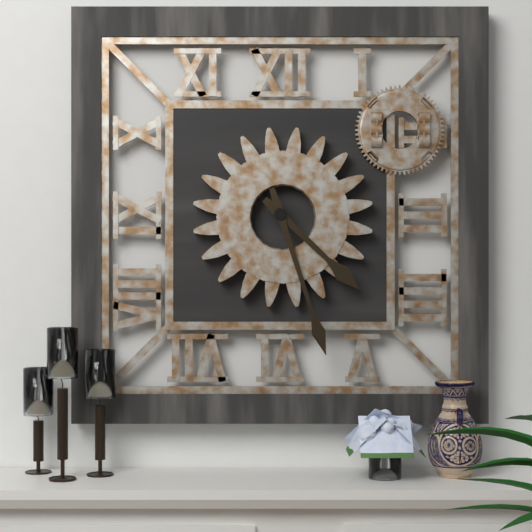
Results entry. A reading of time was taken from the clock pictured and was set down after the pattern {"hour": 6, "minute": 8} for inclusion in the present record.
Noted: {"hour": 4, "minute": 27}
